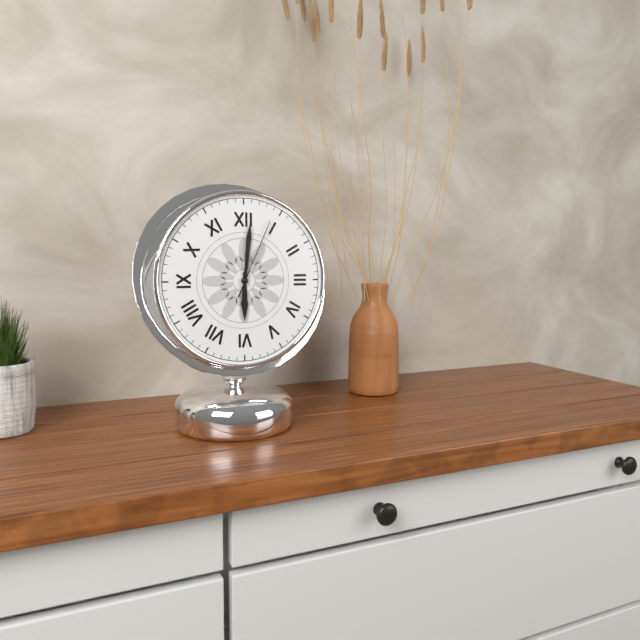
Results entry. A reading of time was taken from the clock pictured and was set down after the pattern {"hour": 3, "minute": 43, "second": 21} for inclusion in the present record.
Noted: {"hour": 6, "minute": 1, "second": 4}
